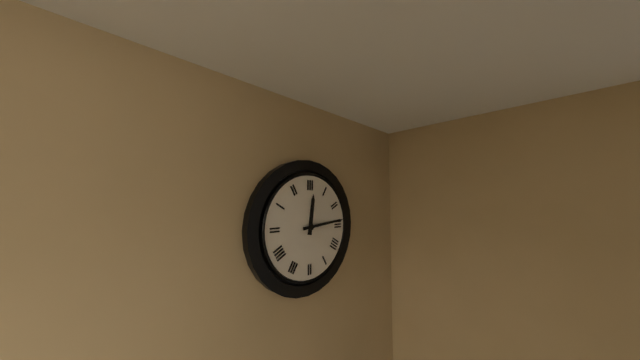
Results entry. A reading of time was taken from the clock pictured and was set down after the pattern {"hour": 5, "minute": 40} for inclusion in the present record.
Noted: {"hour": 12, "minute": 14}
